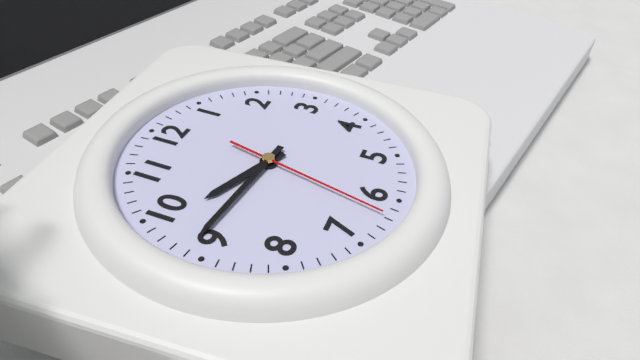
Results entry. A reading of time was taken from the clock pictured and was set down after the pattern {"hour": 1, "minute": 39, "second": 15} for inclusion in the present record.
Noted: {"hour": 9, "minute": 46, "second": 32}
